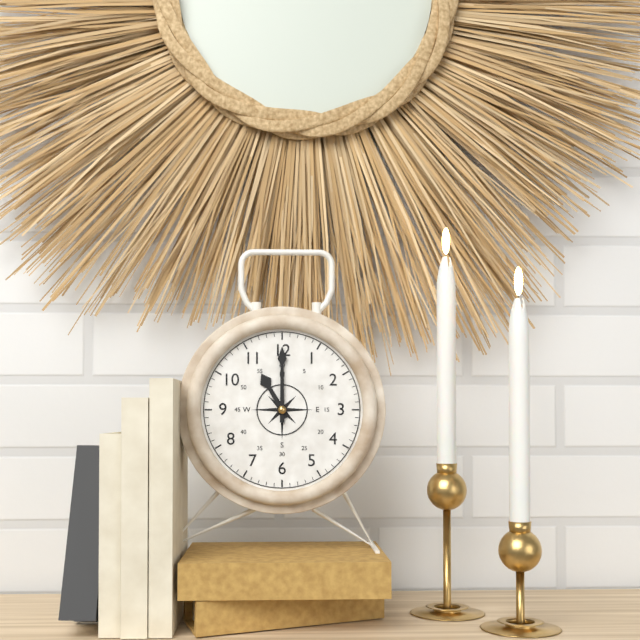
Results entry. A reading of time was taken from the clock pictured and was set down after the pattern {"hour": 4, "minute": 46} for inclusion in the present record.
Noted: {"hour": 11, "minute": 0}
